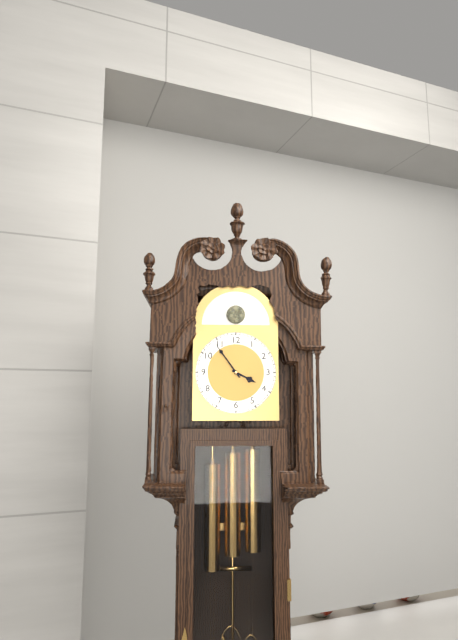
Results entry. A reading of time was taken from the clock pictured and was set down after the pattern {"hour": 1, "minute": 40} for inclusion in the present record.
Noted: {"hour": 3, "minute": 54}
